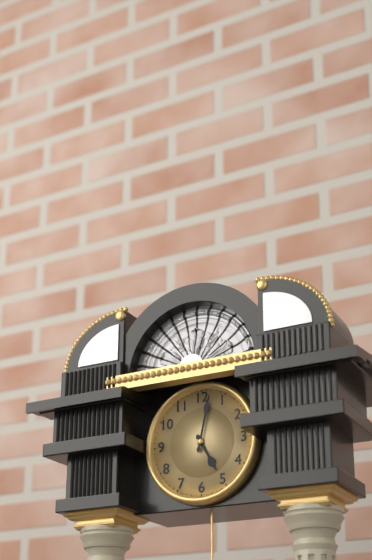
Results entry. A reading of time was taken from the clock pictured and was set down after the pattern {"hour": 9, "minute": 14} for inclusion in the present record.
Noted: {"hour": 5, "minute": 2}
